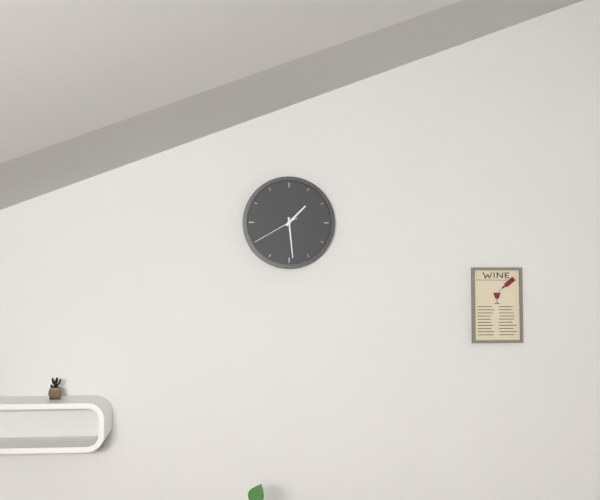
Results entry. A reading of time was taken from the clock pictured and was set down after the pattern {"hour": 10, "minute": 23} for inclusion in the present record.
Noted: {"hour": 1, "minute": 29}
